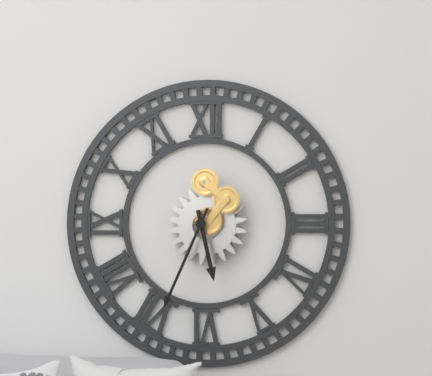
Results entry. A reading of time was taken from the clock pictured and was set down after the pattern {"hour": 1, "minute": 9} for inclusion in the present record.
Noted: {"hour": 5, "minute": 34}
